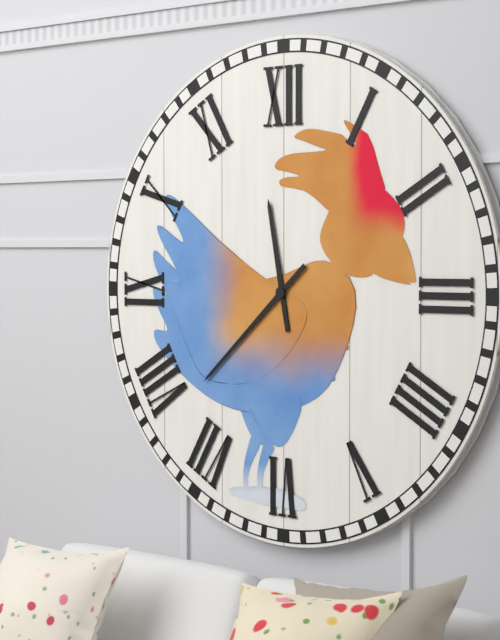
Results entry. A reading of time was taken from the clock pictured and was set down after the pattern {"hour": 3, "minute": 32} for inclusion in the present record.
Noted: {"hour": 11, "minute": 38}
